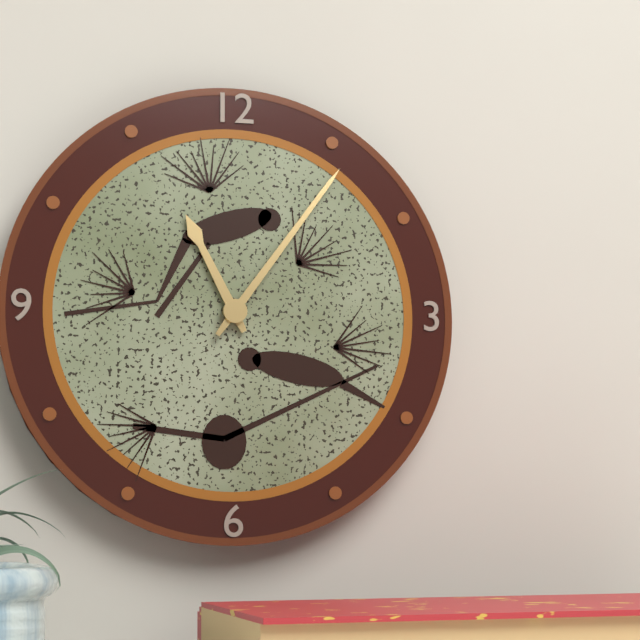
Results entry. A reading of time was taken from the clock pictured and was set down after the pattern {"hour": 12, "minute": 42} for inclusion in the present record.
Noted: {"hour": 11, "minute": 6}
